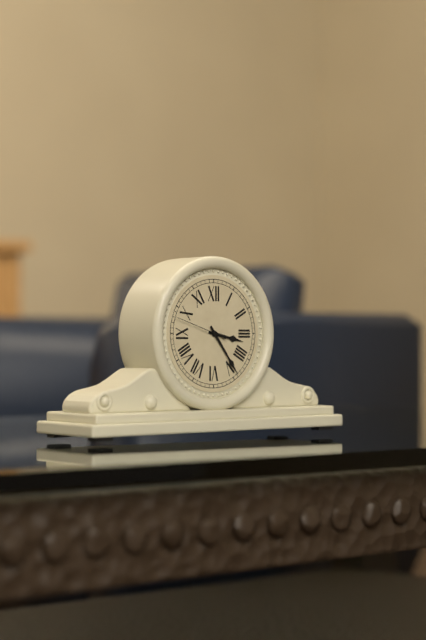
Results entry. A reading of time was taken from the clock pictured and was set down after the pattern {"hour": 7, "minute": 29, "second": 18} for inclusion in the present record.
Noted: {"hour": 3, "minute": 24, "second": 48}
